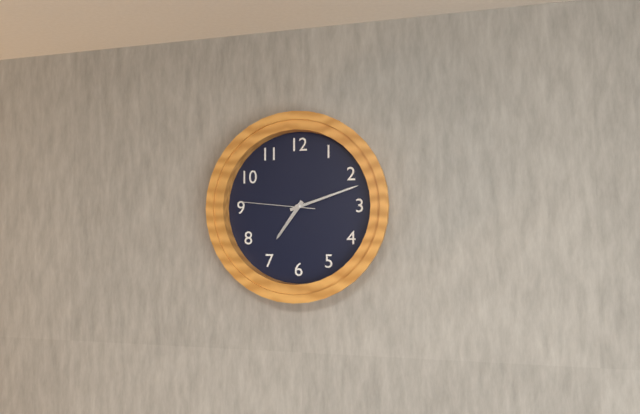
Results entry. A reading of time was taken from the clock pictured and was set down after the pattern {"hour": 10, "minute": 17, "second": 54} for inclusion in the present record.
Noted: {"hour": 7, "minute": 12, "second": 46}
